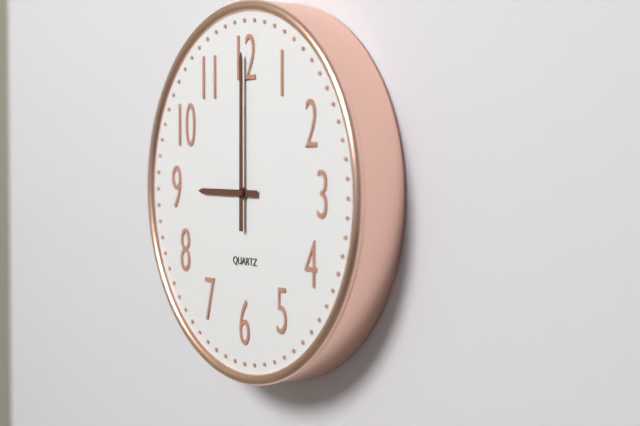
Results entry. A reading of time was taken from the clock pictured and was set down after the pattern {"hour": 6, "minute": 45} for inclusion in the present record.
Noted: {"hour": 9, "minute": 0}
